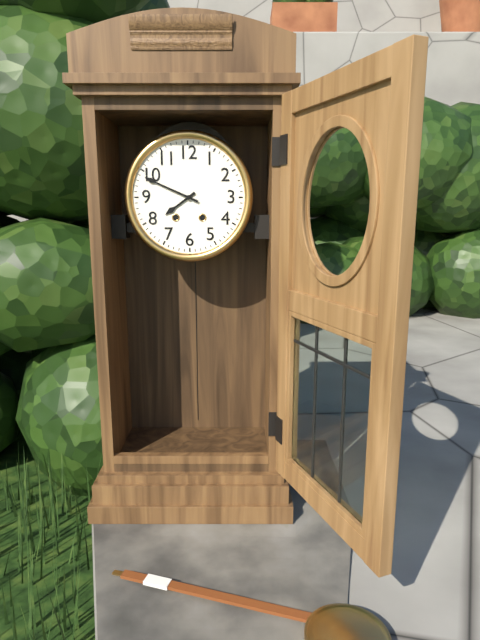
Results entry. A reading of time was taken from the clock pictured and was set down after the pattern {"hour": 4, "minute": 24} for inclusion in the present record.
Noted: {"hour": 7, "minute": 49}
